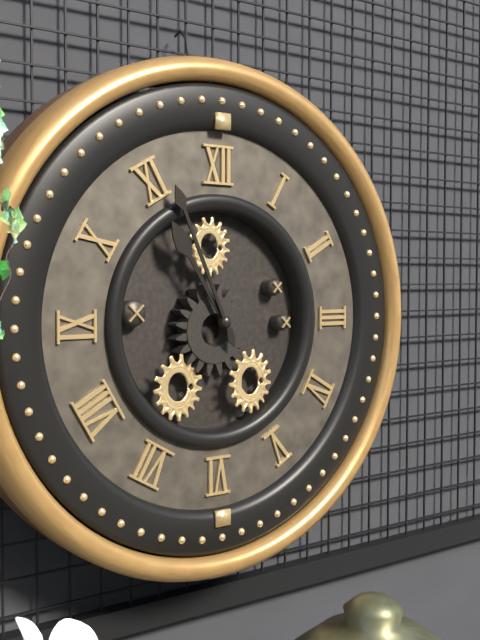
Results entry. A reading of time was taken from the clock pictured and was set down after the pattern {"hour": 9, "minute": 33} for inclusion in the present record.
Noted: {"hour": 10, "minute": 56}
